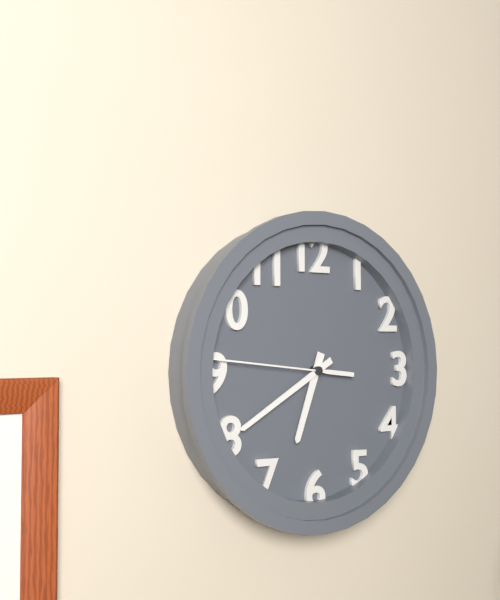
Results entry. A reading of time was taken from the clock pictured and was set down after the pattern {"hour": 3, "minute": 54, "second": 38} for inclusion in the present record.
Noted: {"hour": 6, "minute": 40, "second": 46}
